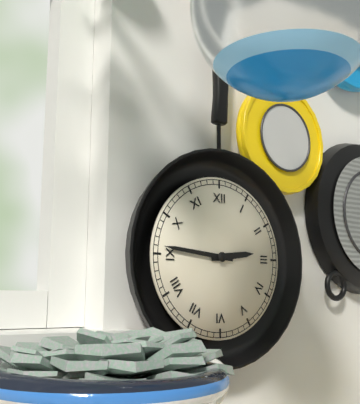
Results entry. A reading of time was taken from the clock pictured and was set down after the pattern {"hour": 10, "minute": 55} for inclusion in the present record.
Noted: {"hour": 2, "minute": 46}
